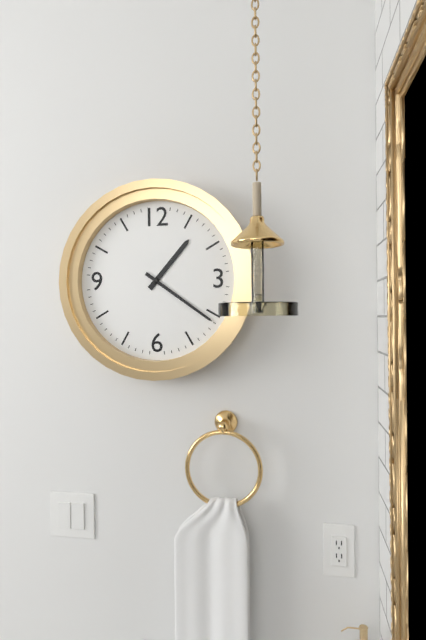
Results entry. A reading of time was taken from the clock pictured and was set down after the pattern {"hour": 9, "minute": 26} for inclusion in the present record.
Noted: {"hour": 1, "minute": 21}
